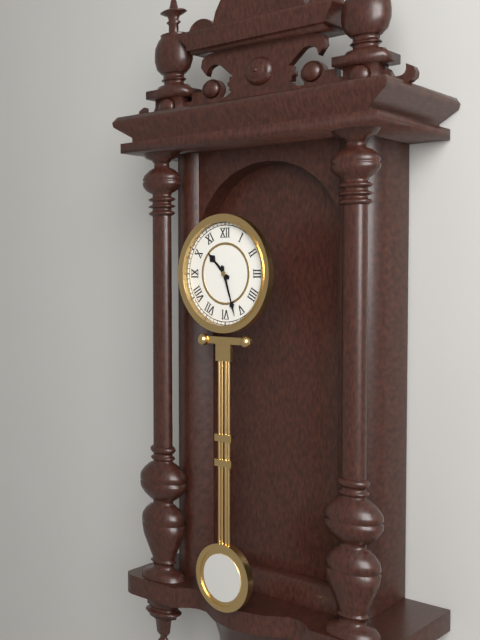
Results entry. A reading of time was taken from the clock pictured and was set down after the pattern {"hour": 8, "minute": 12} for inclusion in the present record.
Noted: {"hour": 10, "minute": 27}
